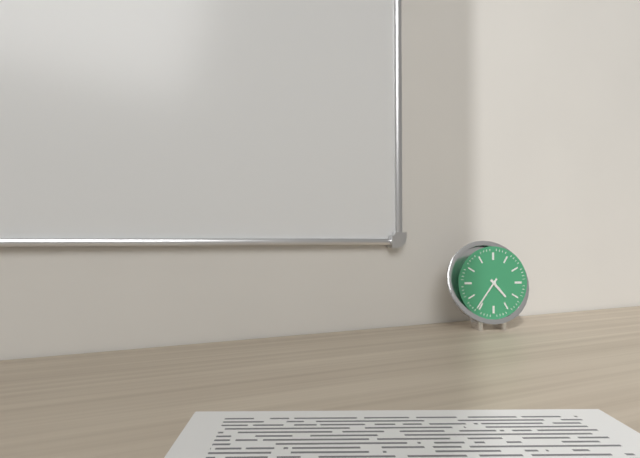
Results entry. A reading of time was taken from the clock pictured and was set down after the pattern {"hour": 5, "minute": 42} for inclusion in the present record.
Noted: {"hour": 4, "minute": 36}
